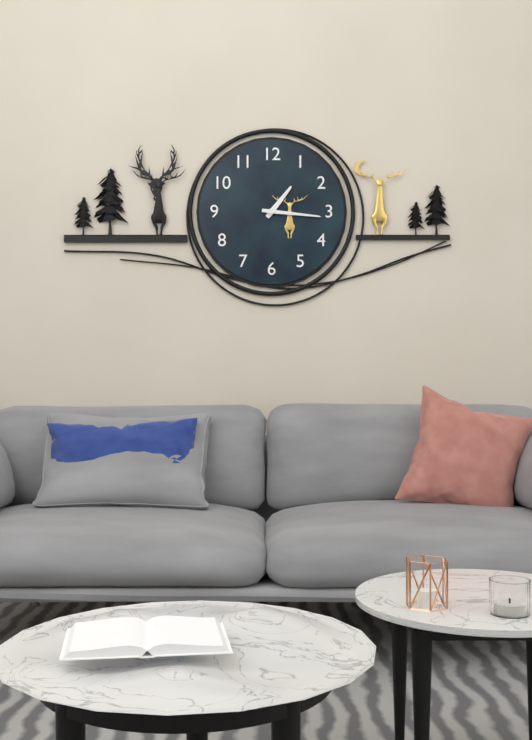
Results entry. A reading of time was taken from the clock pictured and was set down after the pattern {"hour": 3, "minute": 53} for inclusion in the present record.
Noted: {"hour": 1, "minute": 16}
